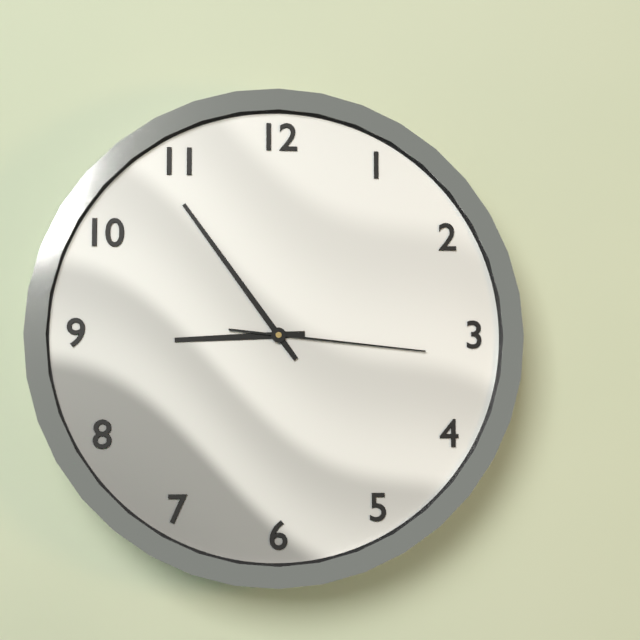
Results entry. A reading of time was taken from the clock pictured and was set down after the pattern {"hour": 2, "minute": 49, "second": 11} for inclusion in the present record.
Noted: {"hour": 8, "minute": 54, "second": 16}
